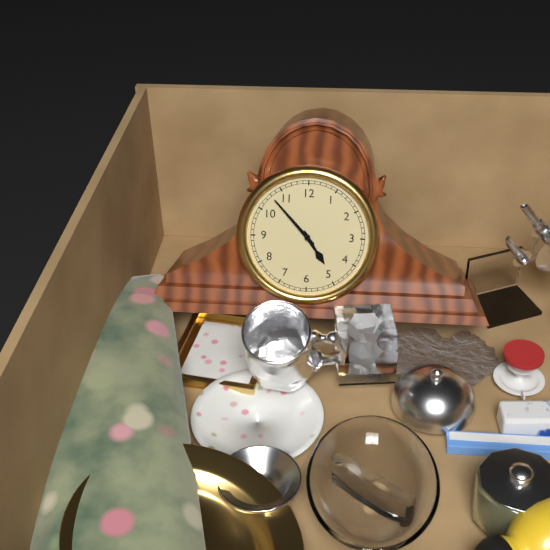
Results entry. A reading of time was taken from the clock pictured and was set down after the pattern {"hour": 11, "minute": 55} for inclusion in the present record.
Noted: {"hour": 4, "minute": 53}
